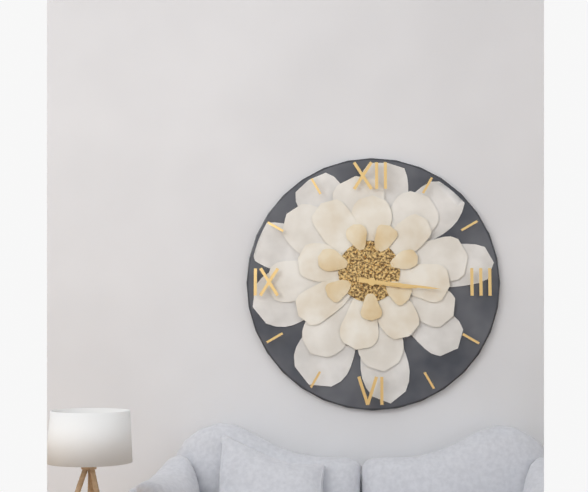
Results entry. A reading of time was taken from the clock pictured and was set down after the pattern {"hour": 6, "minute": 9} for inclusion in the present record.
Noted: {"hour": 3, "minute": 16}
